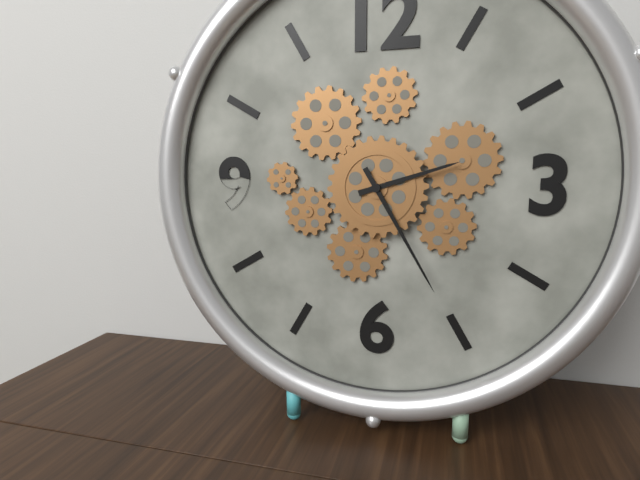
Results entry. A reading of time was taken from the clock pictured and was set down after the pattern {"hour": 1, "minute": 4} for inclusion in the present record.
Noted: {"hour": 2, "minute": 25}
